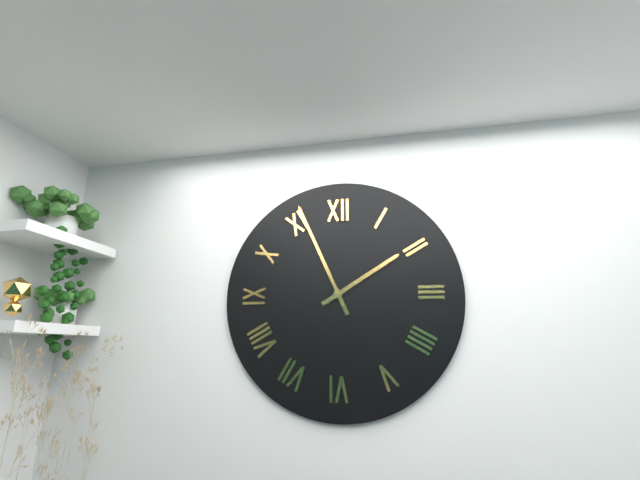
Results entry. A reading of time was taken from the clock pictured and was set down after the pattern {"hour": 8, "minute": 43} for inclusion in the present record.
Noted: {"hour": 1, "minute": 56}
